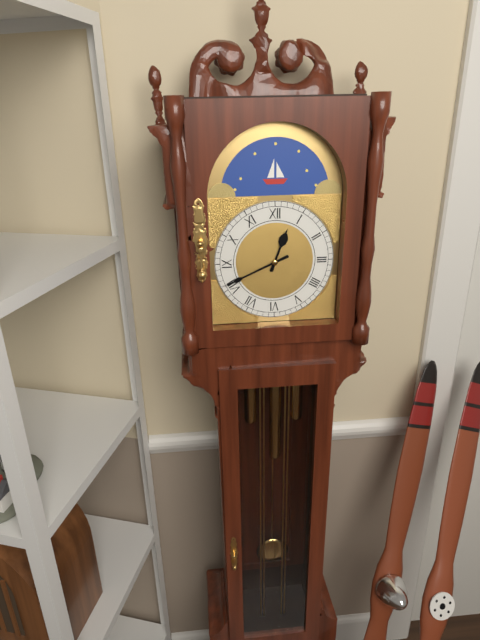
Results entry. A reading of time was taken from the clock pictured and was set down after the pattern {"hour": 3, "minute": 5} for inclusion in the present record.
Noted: {"hour": 12, "minute": 41}
